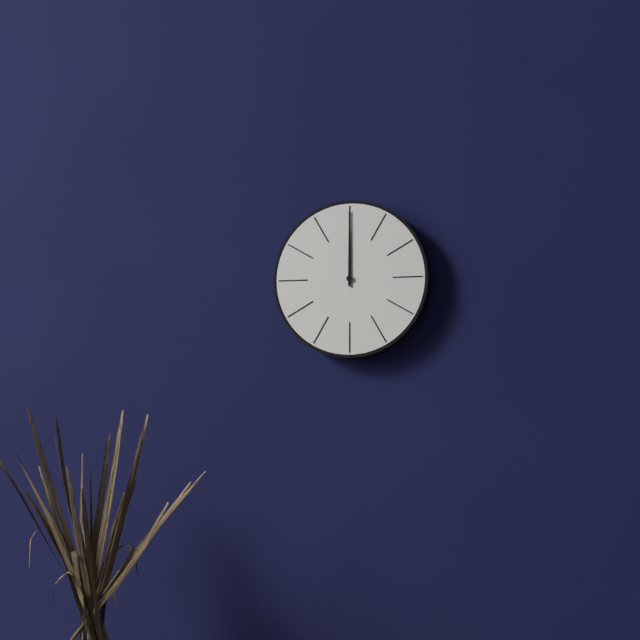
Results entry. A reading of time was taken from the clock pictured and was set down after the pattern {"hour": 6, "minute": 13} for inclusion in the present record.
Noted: {"hour": 12, "minute": 0}
